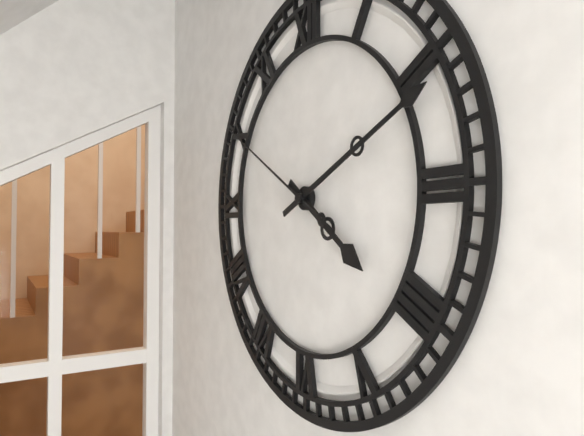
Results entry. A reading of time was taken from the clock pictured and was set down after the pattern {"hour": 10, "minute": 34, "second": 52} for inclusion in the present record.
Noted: {"hour": 4, "minute": 11, "second": 50}
